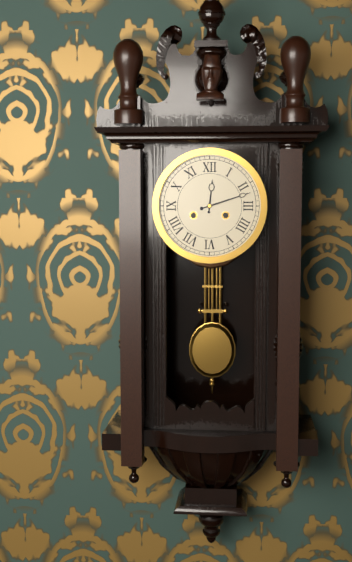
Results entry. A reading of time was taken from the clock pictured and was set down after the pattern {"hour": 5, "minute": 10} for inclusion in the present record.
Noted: {"hour": 12, "minute": 12}
